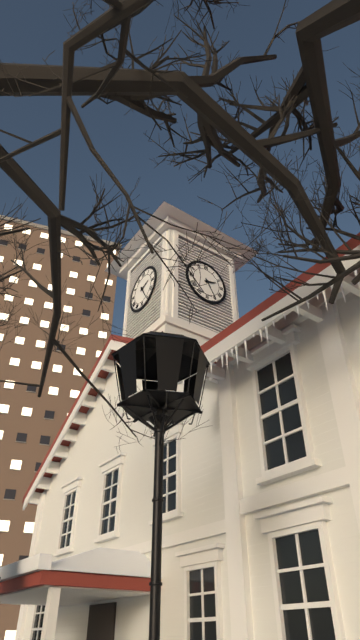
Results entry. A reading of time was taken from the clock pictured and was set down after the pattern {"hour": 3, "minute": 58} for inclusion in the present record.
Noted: {"hour": 2, "minute": 25}
